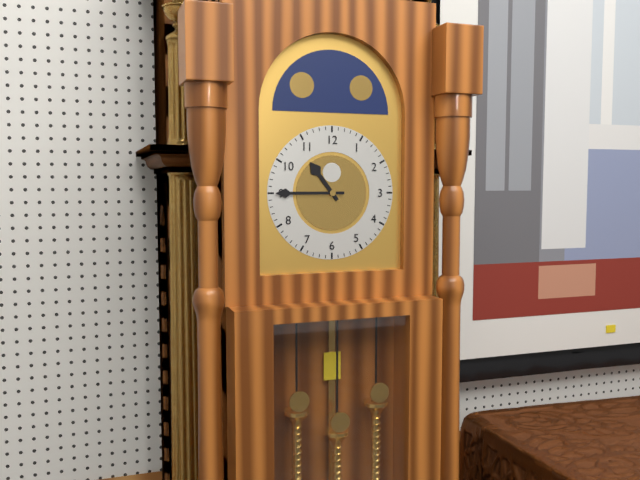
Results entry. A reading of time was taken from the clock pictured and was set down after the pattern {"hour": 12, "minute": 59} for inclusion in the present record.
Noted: {"hour": 10, "minute": 45}
